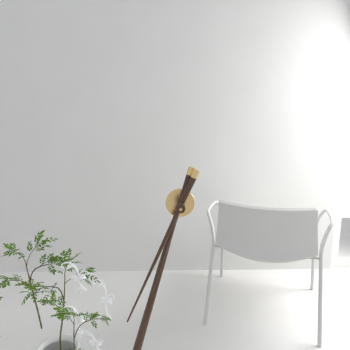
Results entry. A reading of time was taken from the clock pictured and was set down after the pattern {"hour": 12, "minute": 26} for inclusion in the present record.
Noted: {"hour": 6, "minute": 34}
